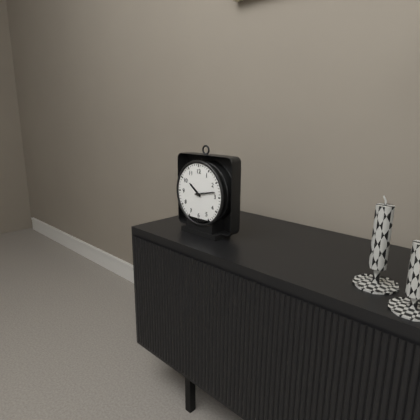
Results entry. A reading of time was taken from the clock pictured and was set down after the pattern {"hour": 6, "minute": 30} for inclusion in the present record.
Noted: {"hour": 10, "minute": 13}
